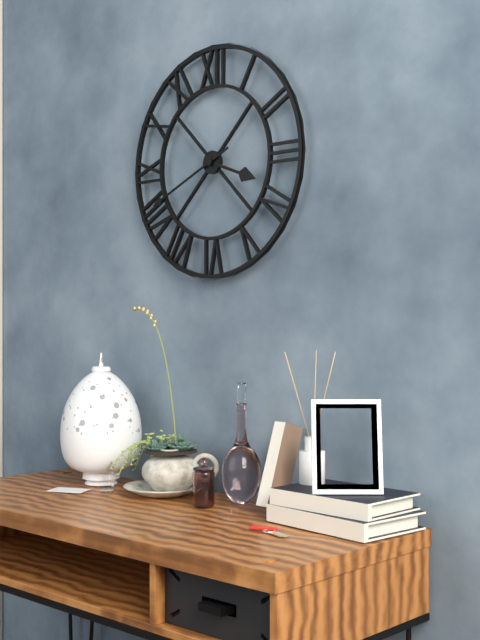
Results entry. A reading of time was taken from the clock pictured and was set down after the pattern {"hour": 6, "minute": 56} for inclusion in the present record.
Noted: {"hour": 3, "minute": 41}
